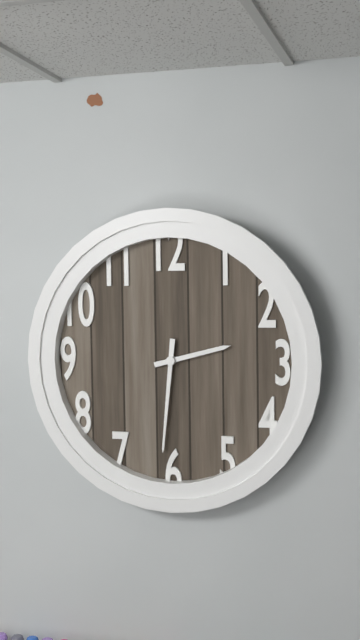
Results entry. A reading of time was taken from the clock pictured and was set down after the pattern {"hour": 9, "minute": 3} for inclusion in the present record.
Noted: {"hour": 2, "minute": 31}
